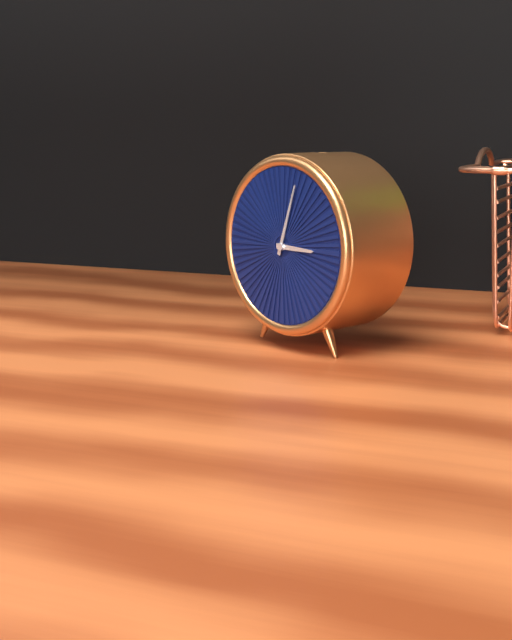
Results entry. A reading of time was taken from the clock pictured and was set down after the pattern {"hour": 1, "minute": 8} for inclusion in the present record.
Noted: {"hour": 3, "minute": 3}
